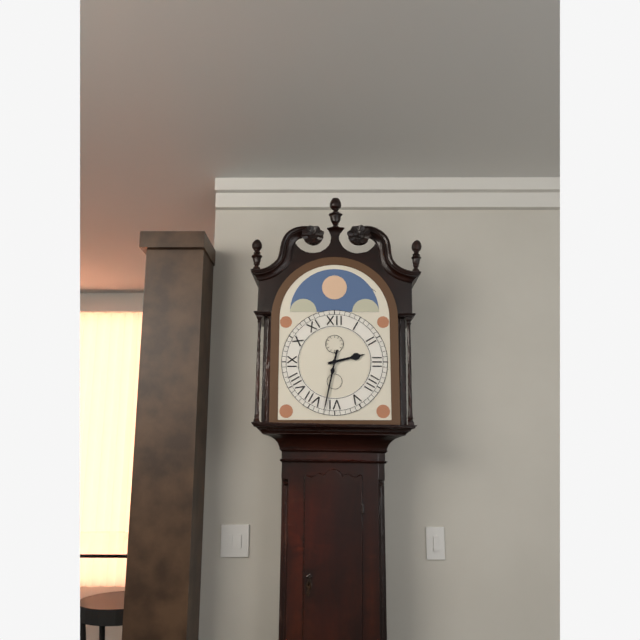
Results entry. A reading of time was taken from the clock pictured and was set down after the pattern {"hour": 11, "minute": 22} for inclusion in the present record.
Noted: {"hour": 2, "minute": 32}
